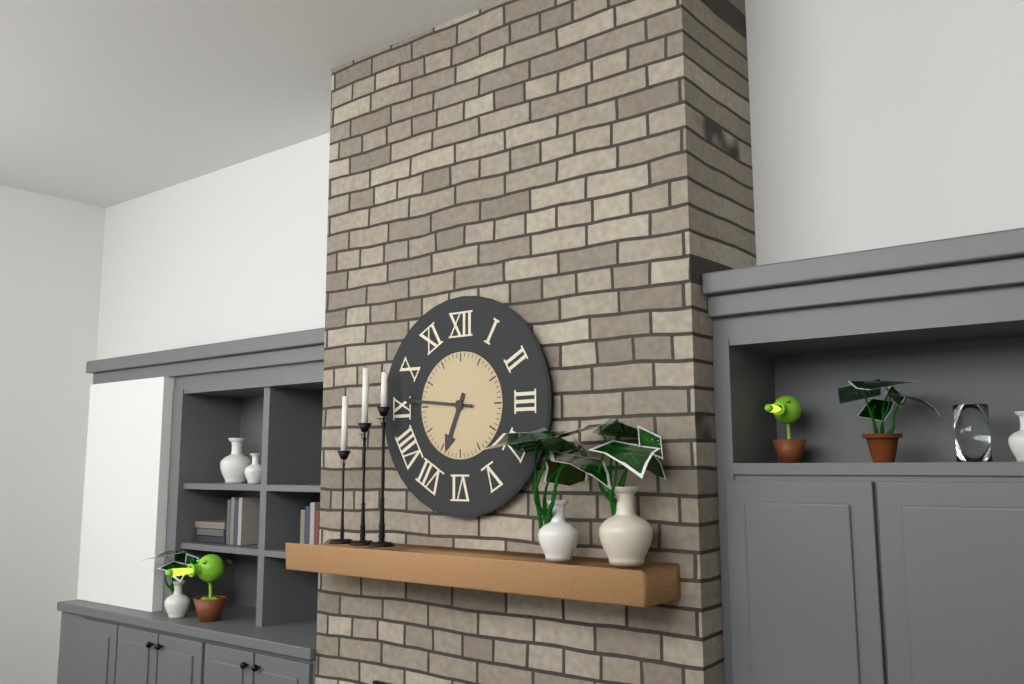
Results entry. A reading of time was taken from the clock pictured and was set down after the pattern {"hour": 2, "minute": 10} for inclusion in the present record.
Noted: {"hour": 6, "minute": 46}
